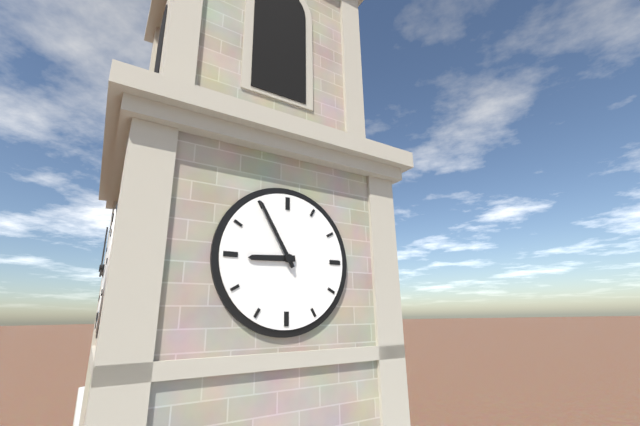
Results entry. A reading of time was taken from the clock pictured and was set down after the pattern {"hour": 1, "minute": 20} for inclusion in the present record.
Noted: {"hour": 8, "minute": 55}
